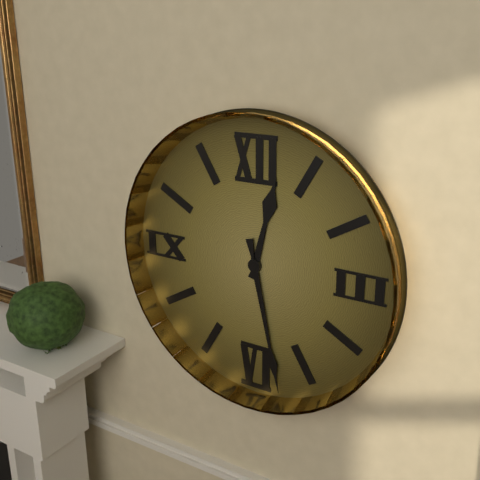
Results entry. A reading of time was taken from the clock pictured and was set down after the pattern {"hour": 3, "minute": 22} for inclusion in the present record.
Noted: {"hour": 12, "minute": 28}
